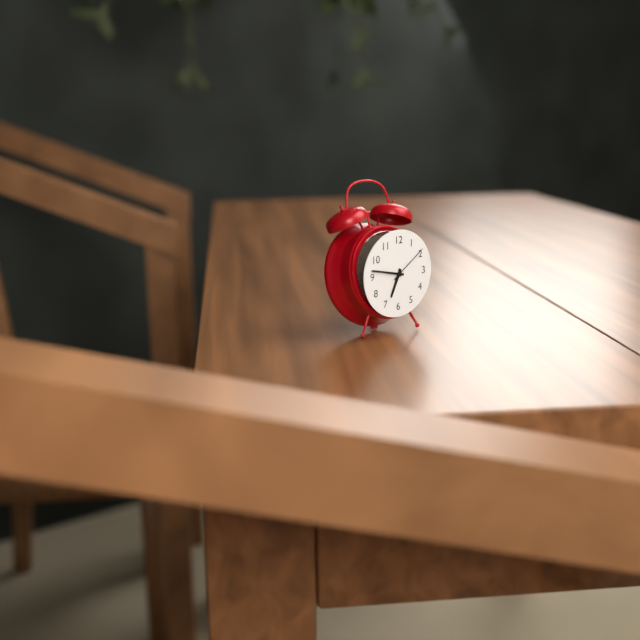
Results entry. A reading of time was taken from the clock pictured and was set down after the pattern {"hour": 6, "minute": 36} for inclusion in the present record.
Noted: {"hour": 6, "minute": 47}
